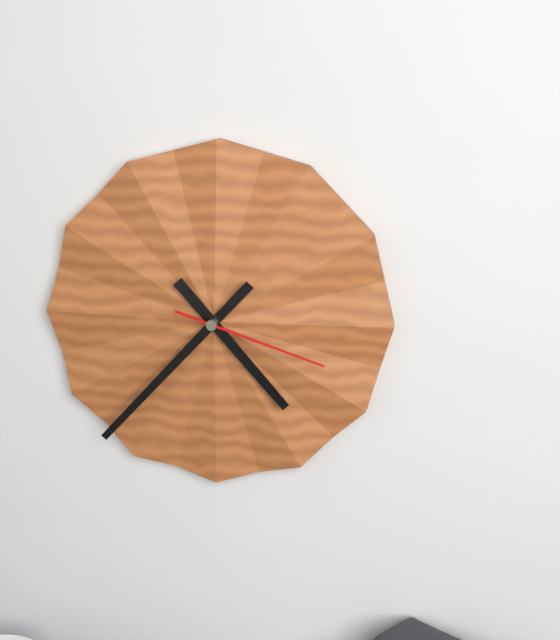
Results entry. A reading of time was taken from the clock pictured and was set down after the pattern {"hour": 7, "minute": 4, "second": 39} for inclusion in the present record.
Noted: {"hour": 4, "minute": 37, "second": 18}
